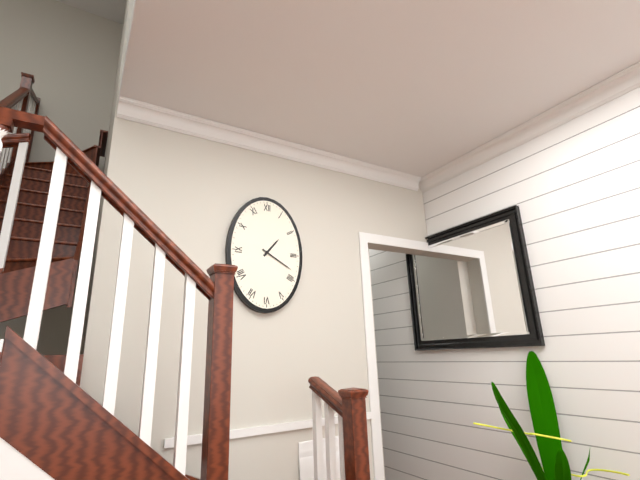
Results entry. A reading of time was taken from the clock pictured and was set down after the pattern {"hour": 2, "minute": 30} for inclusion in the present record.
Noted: {"hour": 1, "minute": 20}
